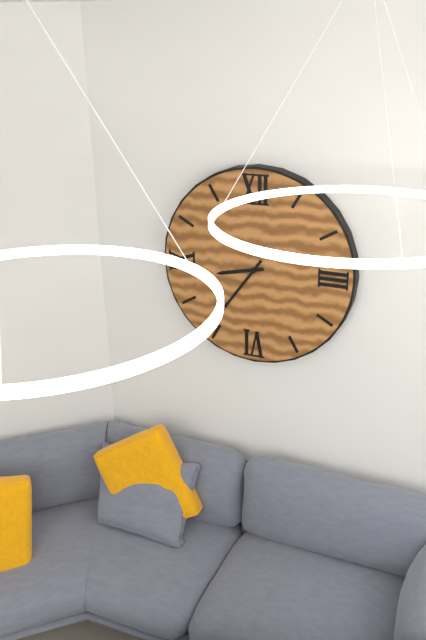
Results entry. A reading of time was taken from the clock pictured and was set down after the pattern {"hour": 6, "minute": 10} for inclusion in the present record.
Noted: {"hour": 8, "minute": 36}
